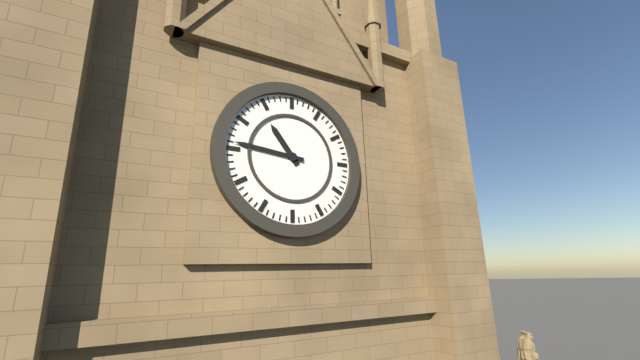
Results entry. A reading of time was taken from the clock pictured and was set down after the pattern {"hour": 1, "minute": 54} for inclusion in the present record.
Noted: {"hour": 10, "minute": 46}
